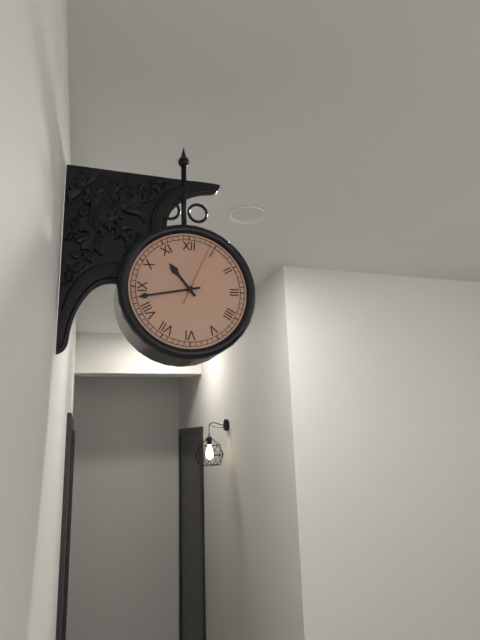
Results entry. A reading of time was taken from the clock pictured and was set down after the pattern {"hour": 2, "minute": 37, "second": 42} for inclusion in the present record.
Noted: {"hour": 10, "minute": 43, "second": 4}
